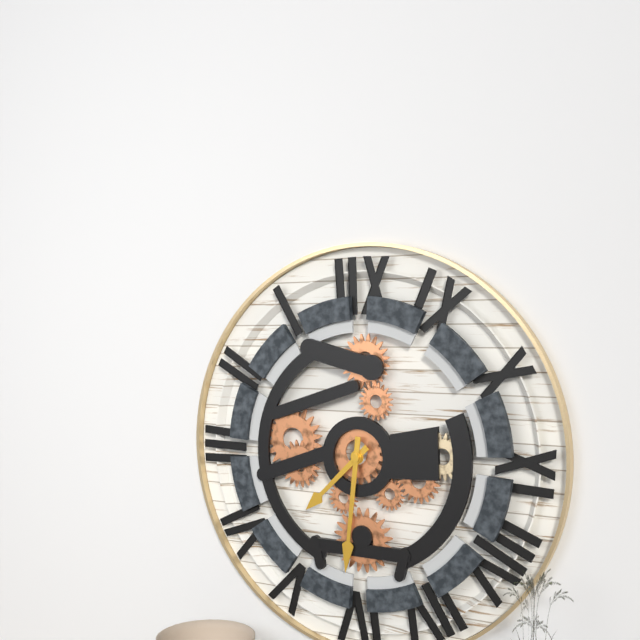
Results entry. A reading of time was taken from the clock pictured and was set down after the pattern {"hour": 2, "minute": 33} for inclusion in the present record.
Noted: {"hour": 7, "minute": 31}
